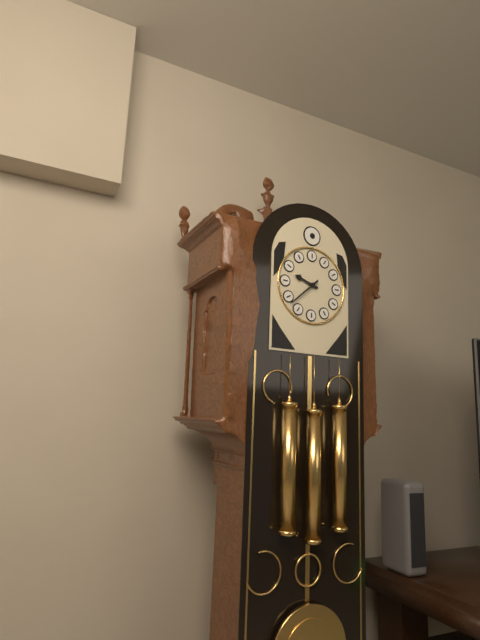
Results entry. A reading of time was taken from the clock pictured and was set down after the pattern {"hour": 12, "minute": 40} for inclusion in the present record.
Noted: {"hour": 9, "minute": 38}
